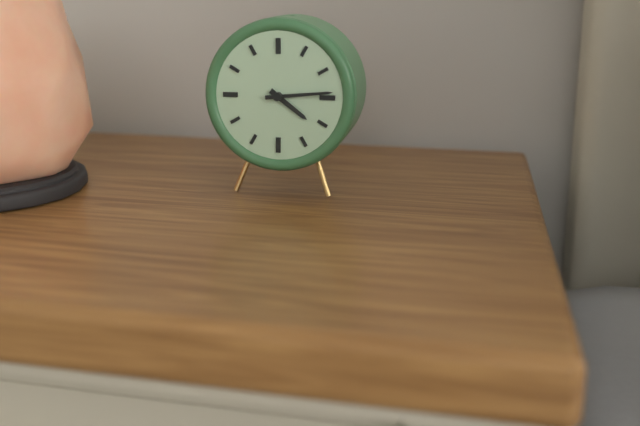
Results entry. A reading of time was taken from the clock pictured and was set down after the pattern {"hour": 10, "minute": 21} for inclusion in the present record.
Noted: {"hour": 4, "minute": 14}
